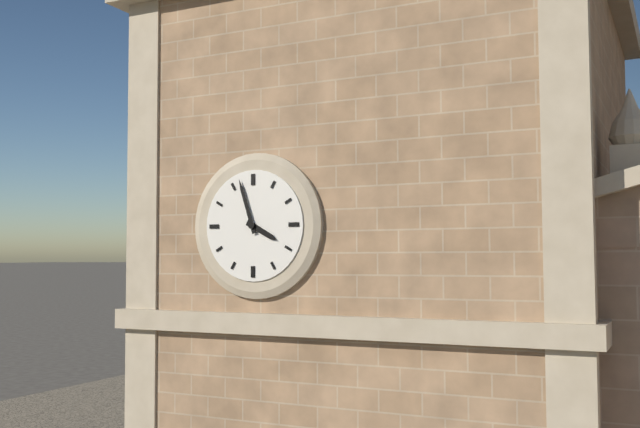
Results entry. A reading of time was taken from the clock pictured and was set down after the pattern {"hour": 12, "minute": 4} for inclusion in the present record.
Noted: {"hour": 3, "minute": 57}
